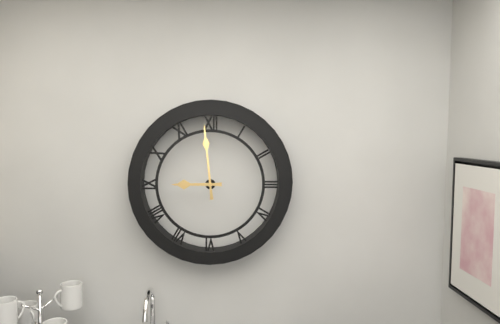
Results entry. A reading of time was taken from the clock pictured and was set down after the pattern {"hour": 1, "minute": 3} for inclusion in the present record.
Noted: {"hour": 8, "minute": 59}
